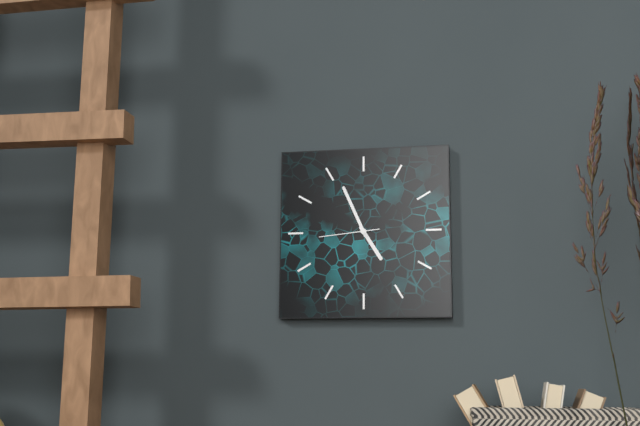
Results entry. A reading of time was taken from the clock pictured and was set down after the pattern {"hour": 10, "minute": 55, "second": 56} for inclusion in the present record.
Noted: {"hour": 4, "minute": 56, "second": 44}
